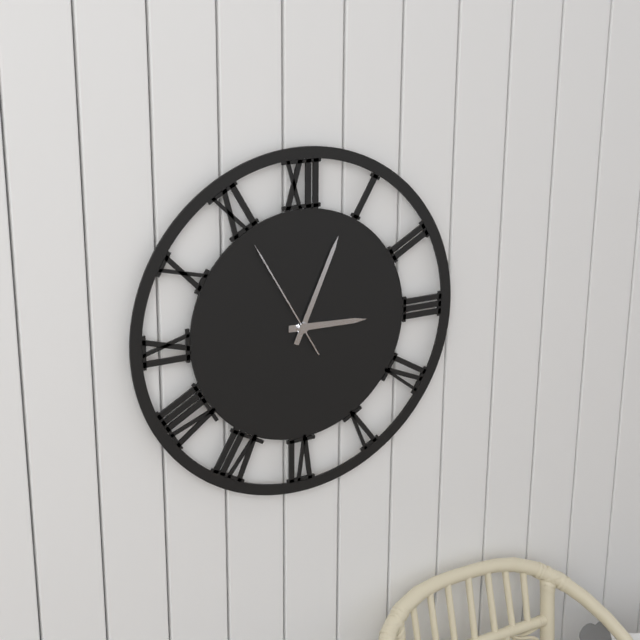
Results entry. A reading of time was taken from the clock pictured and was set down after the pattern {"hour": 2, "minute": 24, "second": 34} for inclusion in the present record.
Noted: {"hour": 3, "minute": 4, "second": 55}
